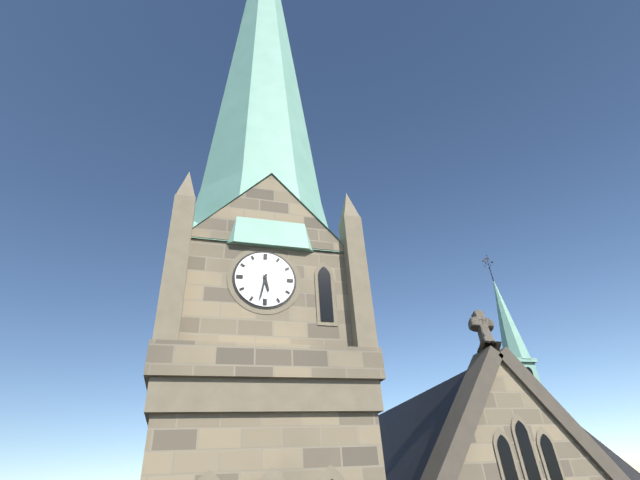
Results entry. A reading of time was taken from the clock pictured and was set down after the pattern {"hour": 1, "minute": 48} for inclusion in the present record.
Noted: {"hour": 5, "minute": 32}
